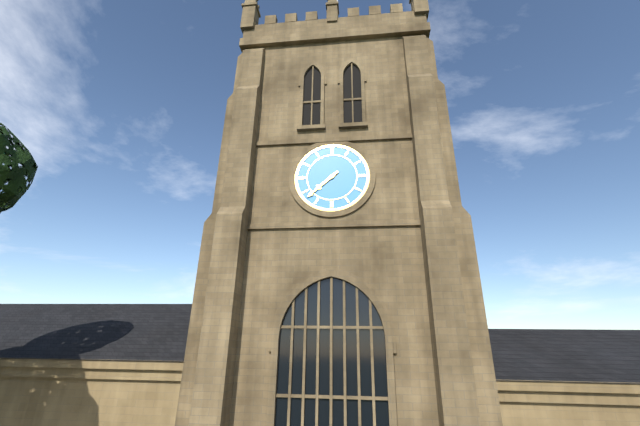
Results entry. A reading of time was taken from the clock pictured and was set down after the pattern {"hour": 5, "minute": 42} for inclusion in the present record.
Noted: {"hour": 7, "minute": 38}
